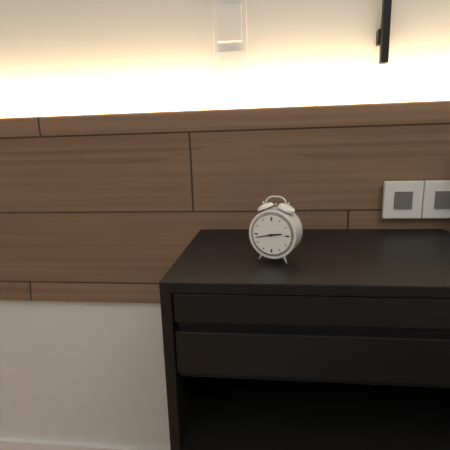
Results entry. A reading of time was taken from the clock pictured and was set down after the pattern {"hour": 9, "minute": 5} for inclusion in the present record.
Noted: {"hour": 2, "minute": 43}
